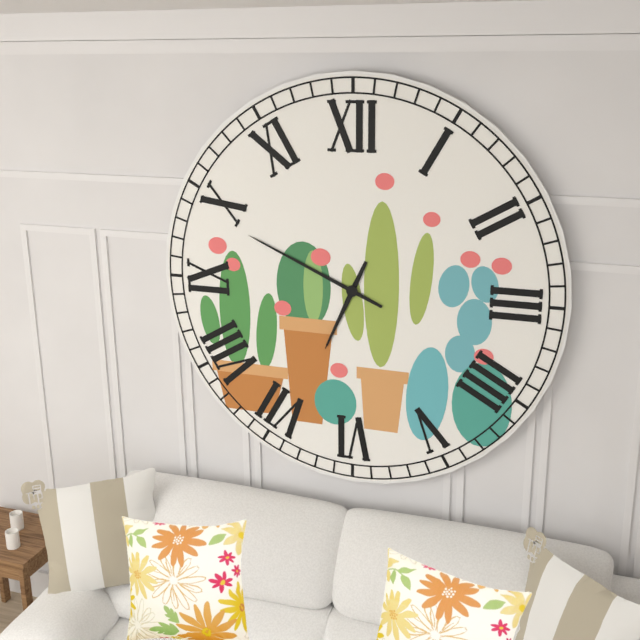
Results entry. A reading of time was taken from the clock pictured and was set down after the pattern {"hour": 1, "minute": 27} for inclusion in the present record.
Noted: {"hour": 6, "minute": 49}
